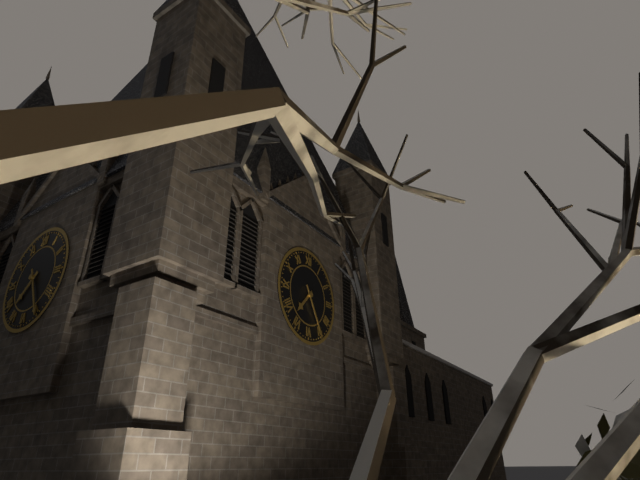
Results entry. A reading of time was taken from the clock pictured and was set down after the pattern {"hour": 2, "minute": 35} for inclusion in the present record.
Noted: {"hour": 7, "minute": 25}
